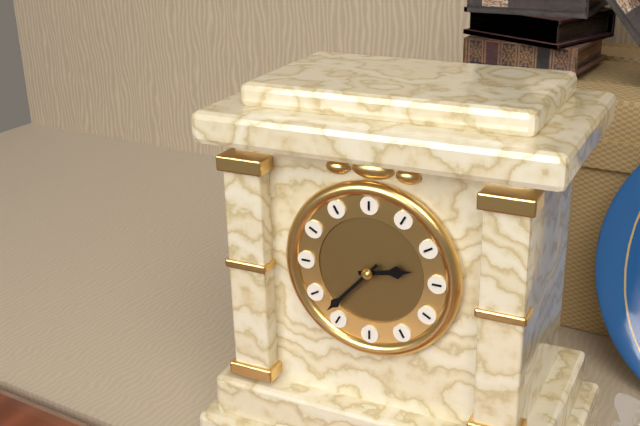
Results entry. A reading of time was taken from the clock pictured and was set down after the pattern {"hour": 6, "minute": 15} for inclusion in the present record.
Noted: {"hour": 2, "minute": 37}
